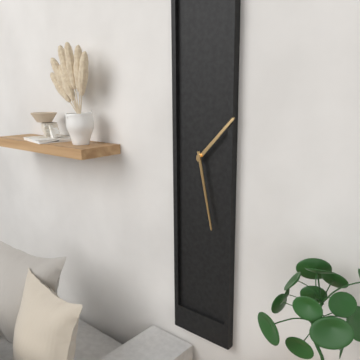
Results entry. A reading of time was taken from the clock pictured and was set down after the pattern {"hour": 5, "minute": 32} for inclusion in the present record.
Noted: {"hour": 1, "minute": 28}
